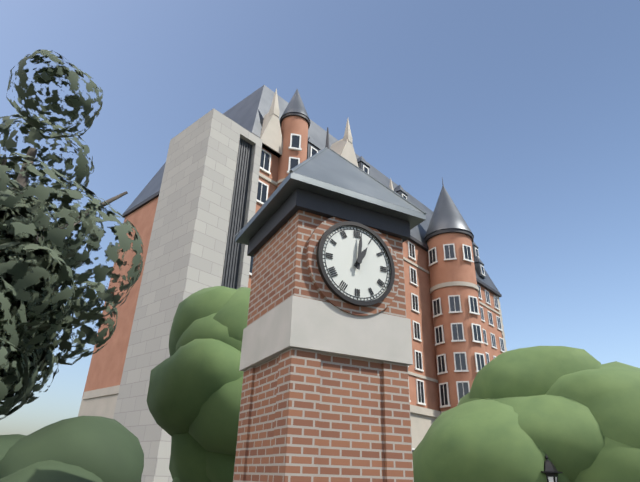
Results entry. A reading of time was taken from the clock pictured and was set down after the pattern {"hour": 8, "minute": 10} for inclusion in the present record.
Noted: {"hour": 1, "minute": 1}
